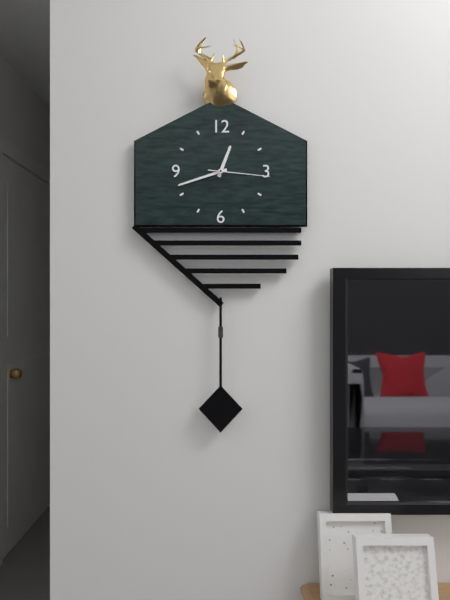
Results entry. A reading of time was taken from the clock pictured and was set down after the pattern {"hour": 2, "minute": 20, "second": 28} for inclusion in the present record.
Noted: {"hour": 12, "minute": 42, "second": 16}
